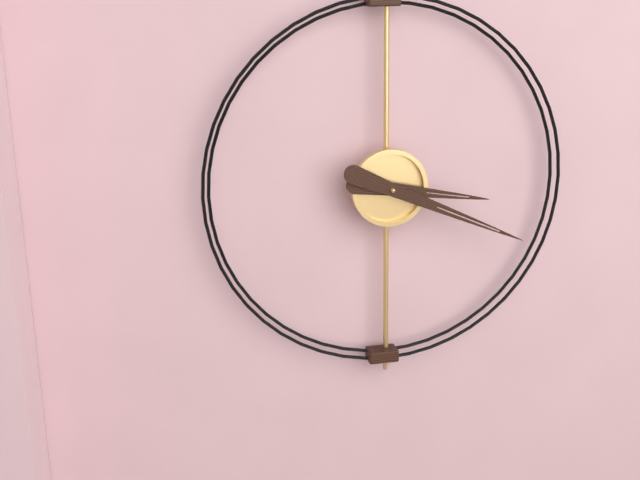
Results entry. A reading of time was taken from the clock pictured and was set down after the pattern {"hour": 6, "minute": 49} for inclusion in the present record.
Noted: {"hour": 3, "minute": 19}
